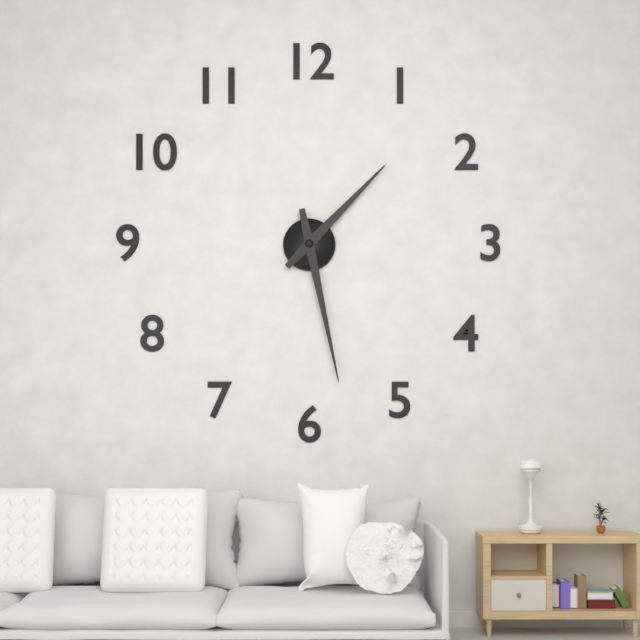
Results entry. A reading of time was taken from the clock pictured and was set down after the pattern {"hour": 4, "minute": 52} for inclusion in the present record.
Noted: {"hour": 1, "minute": 28}
